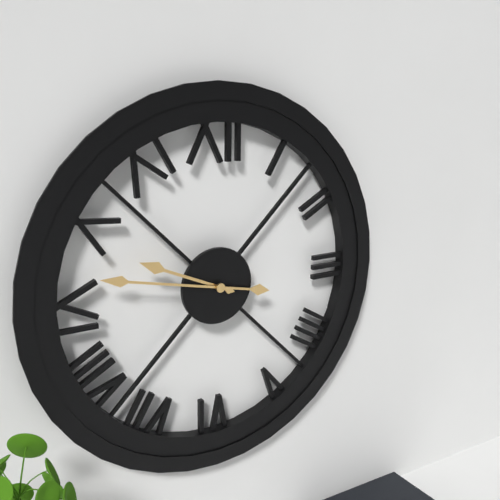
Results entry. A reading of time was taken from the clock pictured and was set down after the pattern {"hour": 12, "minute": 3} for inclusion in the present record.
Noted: {"hour": 9, "minute": 47}
